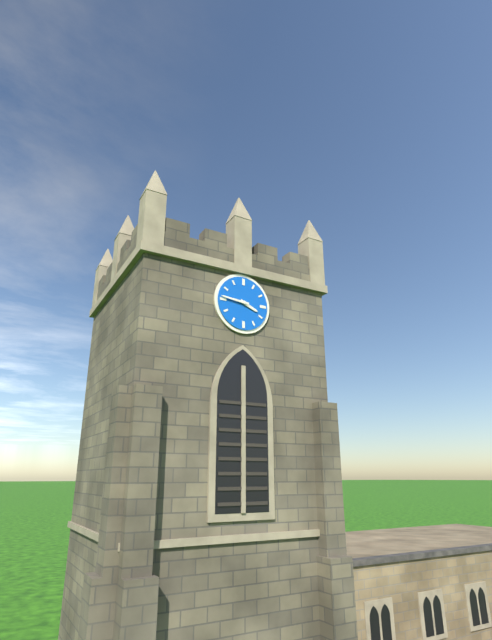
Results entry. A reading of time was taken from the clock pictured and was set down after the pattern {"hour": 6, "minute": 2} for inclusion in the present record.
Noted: {"hour": 3, "minute": 46}
